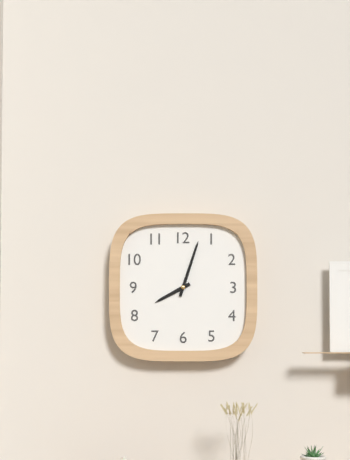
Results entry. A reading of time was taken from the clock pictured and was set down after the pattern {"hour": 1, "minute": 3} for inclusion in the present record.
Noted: {"hour": 8, "minute": 3}
